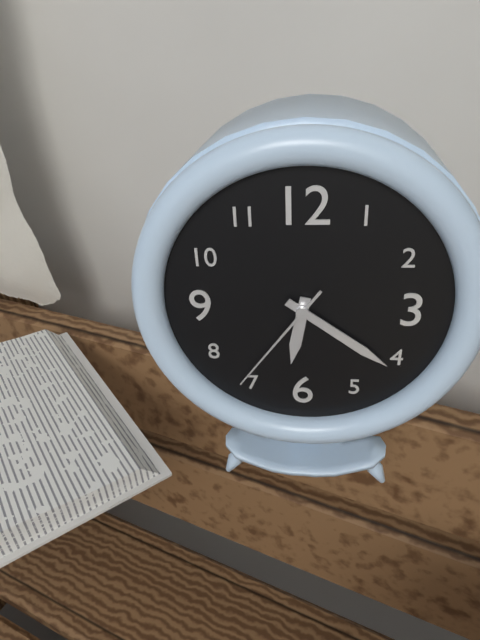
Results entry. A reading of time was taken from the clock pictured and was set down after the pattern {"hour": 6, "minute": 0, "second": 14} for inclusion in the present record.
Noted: {"hour": 6, "minute": 21, "second": 36}
